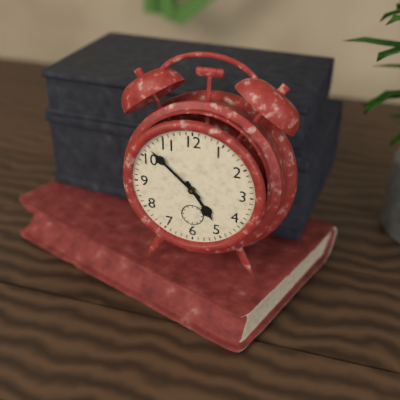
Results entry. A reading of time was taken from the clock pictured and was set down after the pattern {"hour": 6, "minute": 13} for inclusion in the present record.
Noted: {"hour": 4, "minute": 52}
